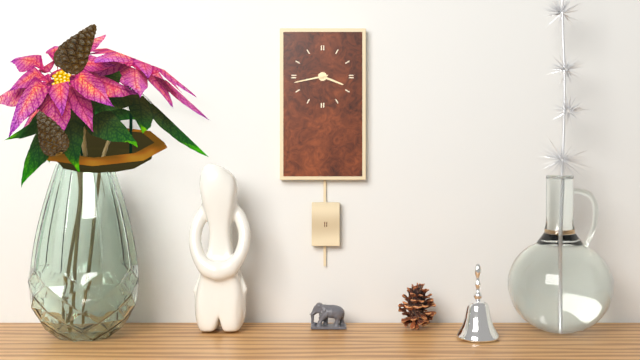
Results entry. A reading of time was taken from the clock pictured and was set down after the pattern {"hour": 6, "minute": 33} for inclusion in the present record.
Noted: {"hour": 3, "minute": 43}
